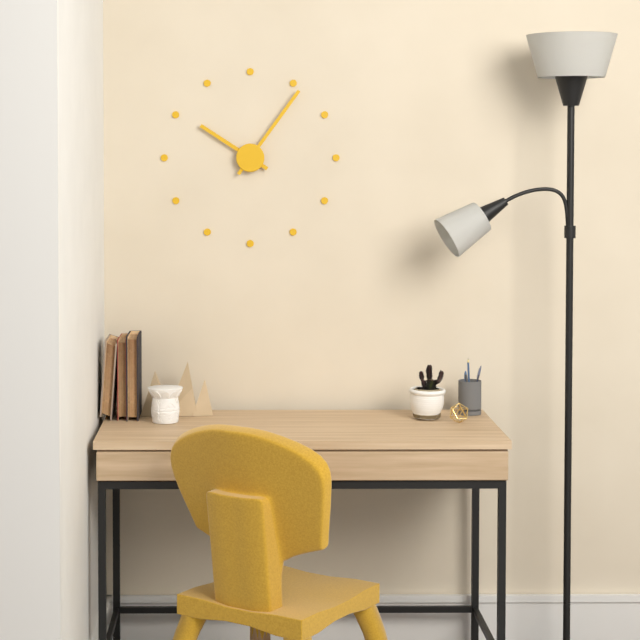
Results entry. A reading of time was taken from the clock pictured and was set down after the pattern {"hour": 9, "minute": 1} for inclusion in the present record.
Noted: {"hour": 10, "minute": 6}
